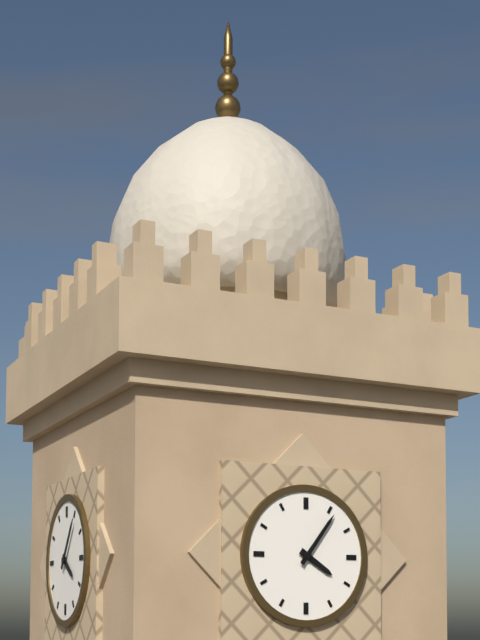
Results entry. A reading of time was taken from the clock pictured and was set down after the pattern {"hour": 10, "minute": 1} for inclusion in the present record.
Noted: {"hour": 4, "minute": 6}
